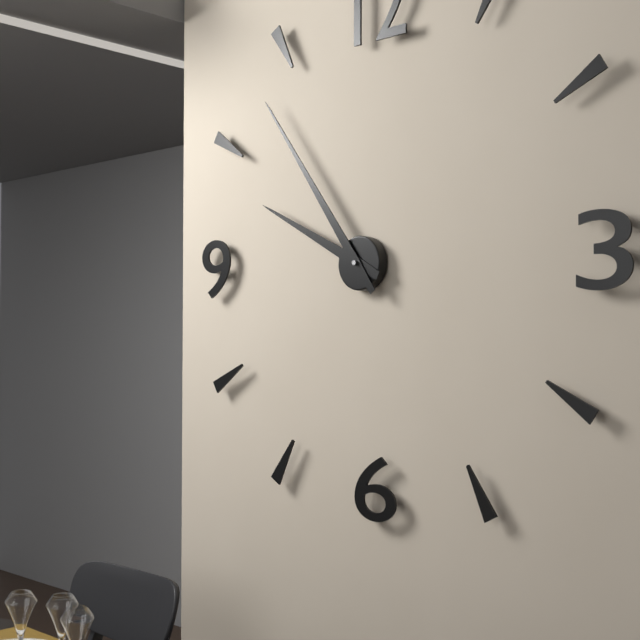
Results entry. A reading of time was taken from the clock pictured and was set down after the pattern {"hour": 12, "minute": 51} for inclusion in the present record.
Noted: {"hour": 9, "minute": 54}
